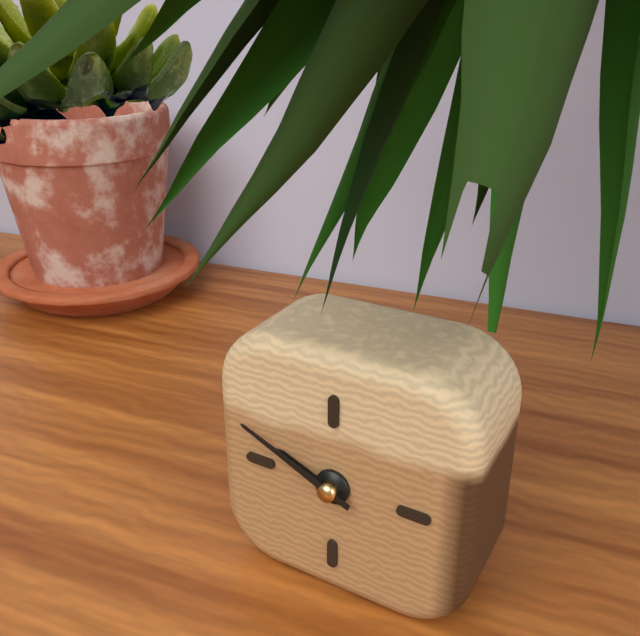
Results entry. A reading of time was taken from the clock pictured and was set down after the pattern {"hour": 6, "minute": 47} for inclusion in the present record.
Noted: {"hour": 9, "minute": 49}
